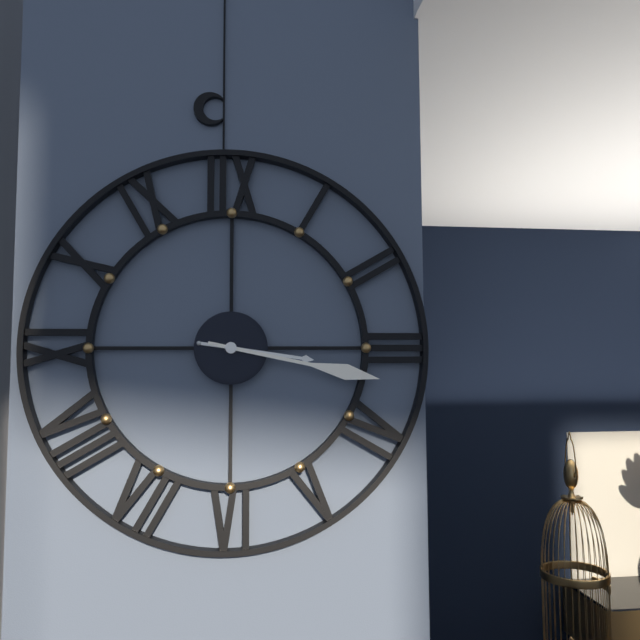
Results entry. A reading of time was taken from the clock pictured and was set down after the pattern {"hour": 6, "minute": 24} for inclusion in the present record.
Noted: {"hour": 3, "minute": 17}
